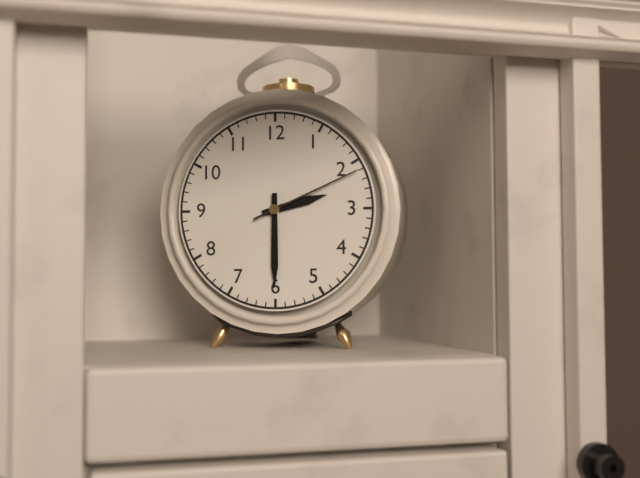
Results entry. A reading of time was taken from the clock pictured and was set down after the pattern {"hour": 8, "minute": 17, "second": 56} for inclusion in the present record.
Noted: {"hour": 2, "minute": 30, "second": 11}
